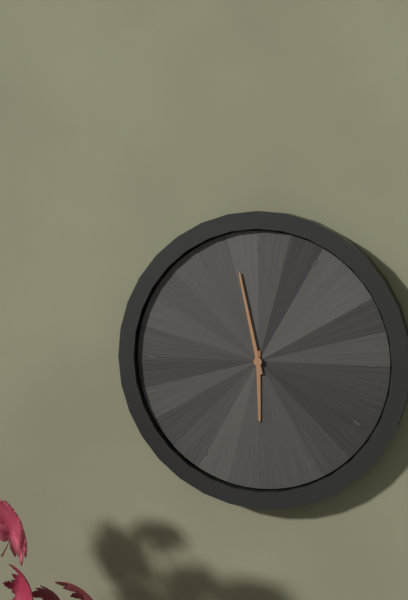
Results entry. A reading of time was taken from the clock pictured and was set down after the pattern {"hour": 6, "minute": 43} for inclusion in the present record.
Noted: {"hour": 5, "minute": 58}
